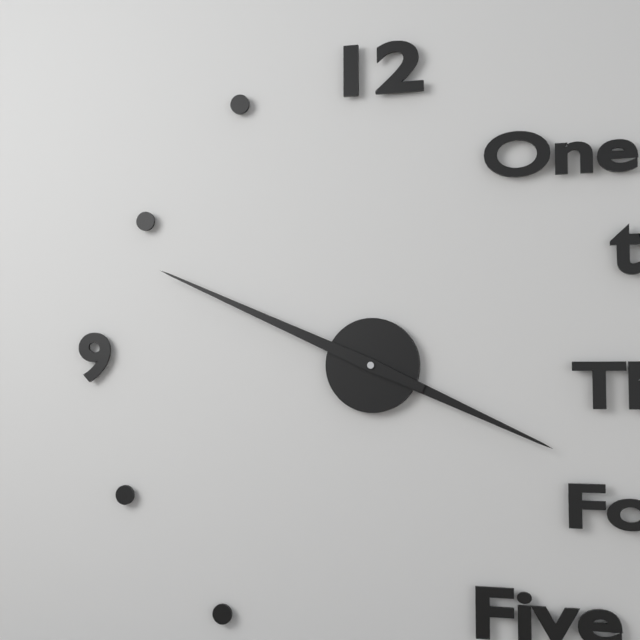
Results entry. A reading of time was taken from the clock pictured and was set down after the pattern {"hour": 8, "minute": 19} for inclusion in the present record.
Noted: {"hour": 3, "minute": 49}
